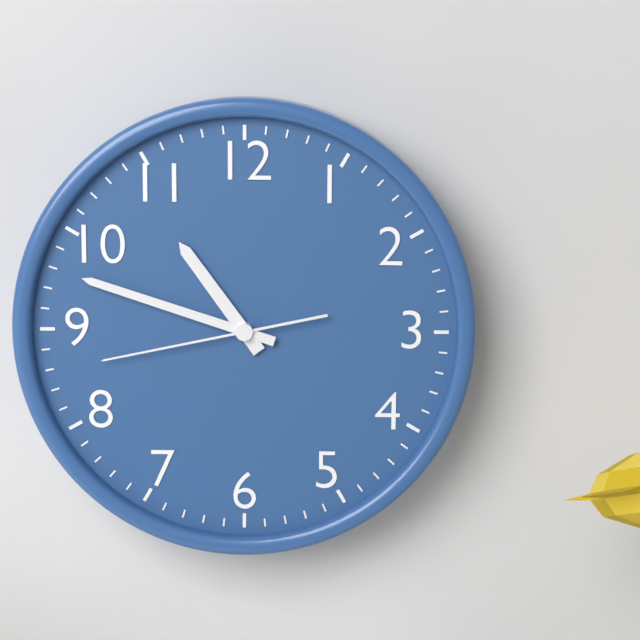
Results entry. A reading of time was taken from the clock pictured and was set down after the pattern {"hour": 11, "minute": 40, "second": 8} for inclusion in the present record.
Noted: {"hour": 10, "minute": 48, "second": 43}
